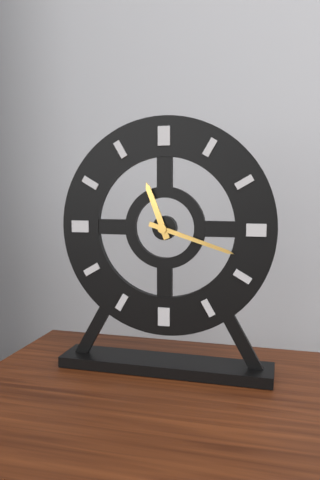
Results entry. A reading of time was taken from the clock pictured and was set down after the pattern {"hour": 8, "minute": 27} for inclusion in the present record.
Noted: {"hour": 11, "minute": 18}
